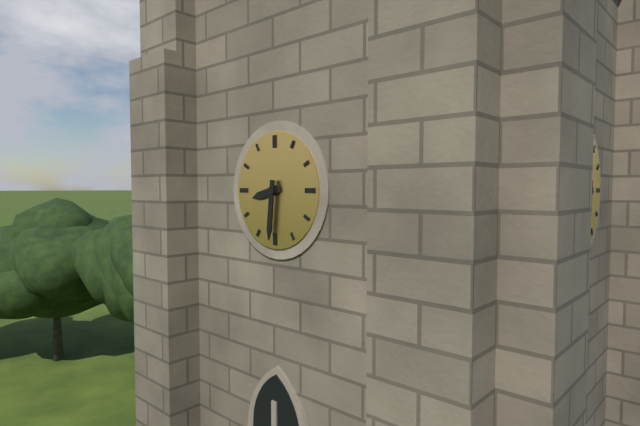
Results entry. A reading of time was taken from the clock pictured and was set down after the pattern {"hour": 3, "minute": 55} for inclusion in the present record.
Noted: {"hour": 8, "minute": 31}
